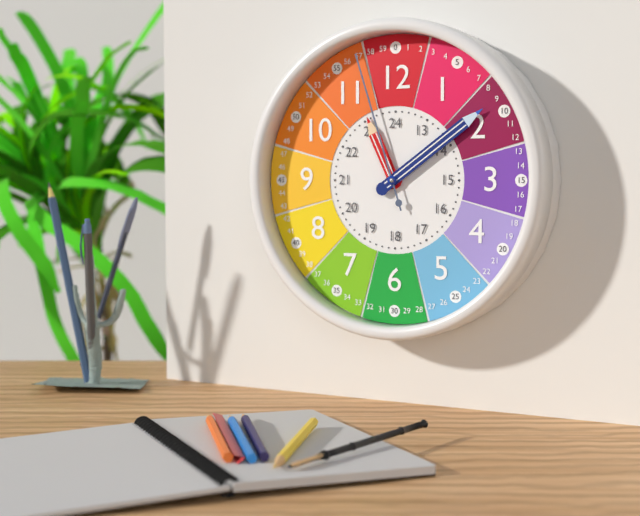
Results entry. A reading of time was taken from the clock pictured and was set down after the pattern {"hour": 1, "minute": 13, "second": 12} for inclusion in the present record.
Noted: {"hour": 11, "minute": 9, "second": 57}
